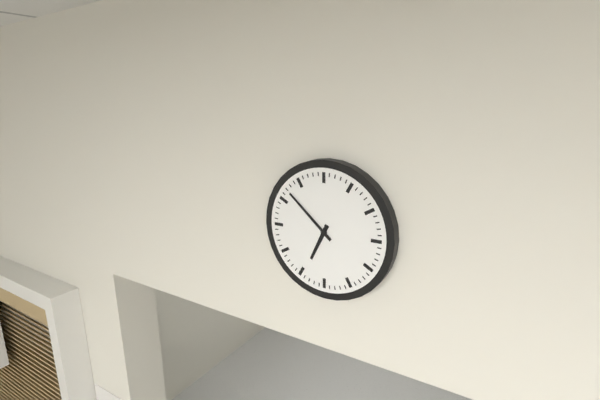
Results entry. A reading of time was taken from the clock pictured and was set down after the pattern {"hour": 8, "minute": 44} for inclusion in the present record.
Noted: {"hour": 6, "minute": 52}
